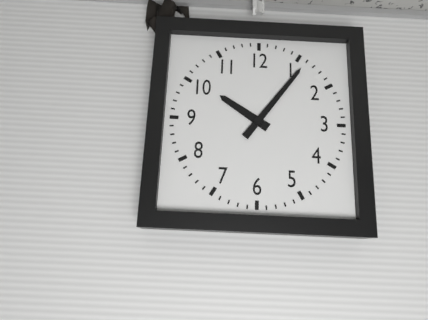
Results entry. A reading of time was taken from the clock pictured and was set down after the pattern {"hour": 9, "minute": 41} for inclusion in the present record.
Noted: {"hour": 10, "minute": 6}
